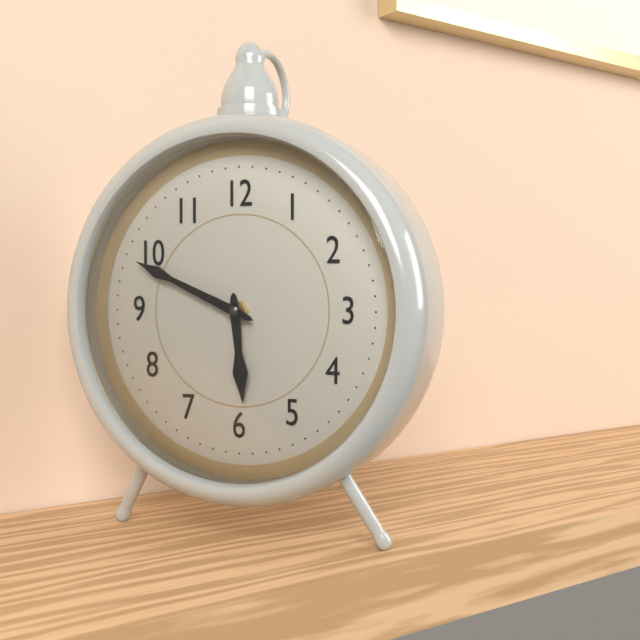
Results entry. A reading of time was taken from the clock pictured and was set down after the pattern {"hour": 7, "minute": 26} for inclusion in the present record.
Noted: {"hour": 5, "minute": 49}
